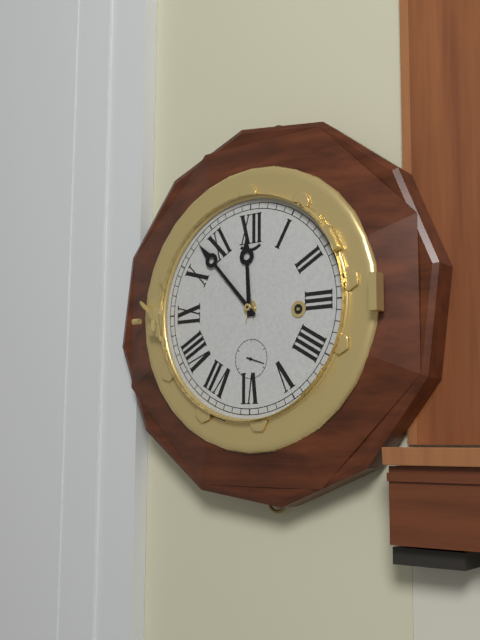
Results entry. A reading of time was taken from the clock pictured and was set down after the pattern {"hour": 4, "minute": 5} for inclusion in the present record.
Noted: {"hour": 11, "minute": 53}
